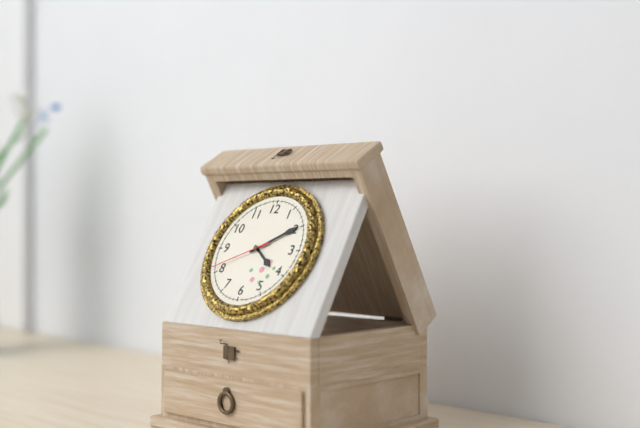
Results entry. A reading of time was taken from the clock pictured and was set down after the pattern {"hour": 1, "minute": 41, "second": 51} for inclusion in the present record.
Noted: {"hour": 4, "minute": 10, "second": 41}
